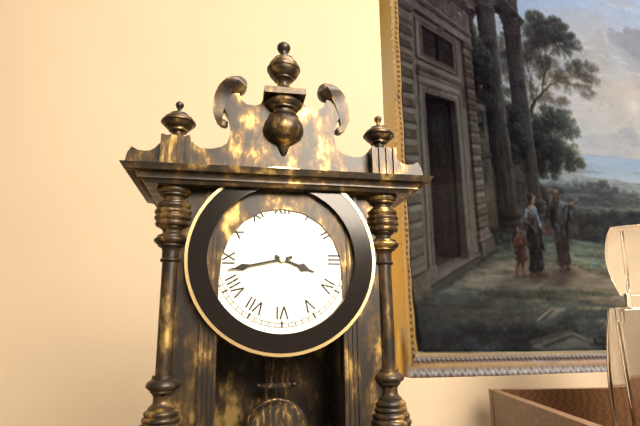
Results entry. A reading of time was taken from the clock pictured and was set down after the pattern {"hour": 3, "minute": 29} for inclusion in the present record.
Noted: {"hour": 3, "minute": 43}
